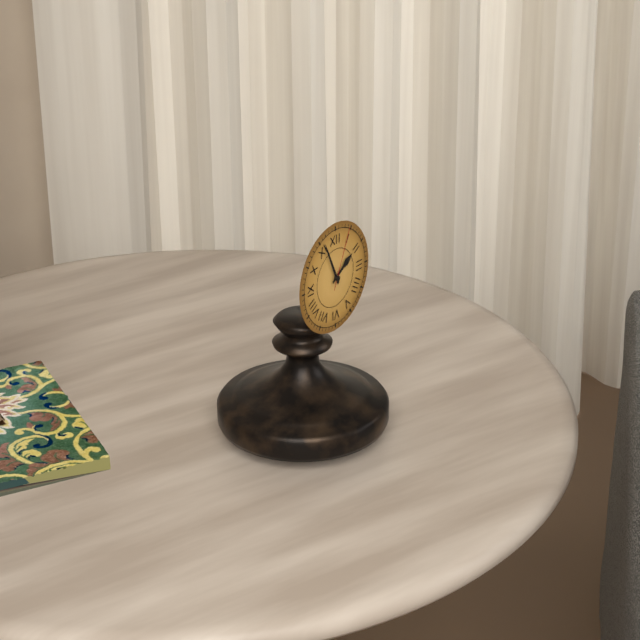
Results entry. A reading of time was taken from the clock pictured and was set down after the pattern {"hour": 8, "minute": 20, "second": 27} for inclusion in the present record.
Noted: {"hour": 1, "minute": 56, "second": 4}
